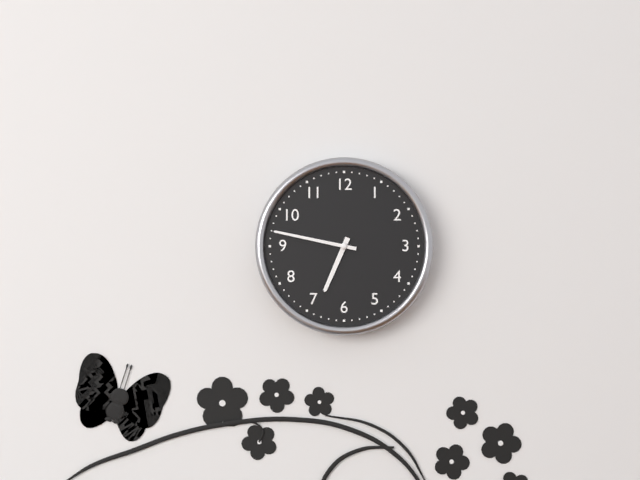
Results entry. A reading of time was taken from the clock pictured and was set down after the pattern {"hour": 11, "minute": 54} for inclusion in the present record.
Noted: {"hour": 6, "minute": 47}
